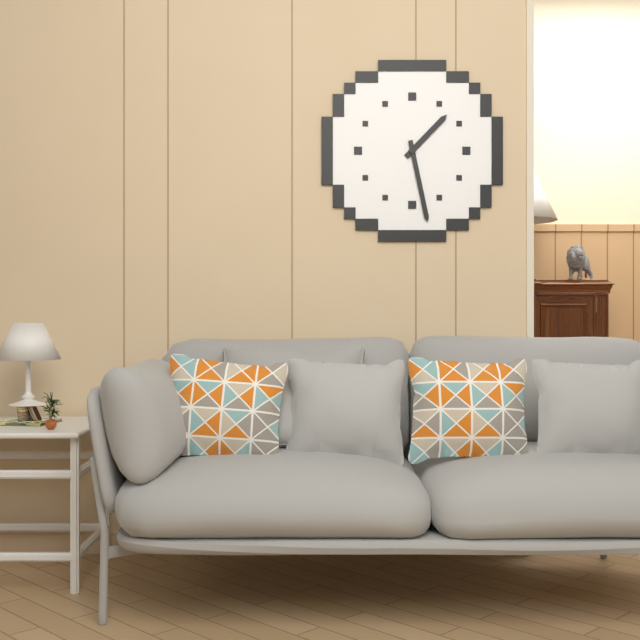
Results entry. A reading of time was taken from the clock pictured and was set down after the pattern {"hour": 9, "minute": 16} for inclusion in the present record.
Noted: {"hour": 1, "minute": 28}
